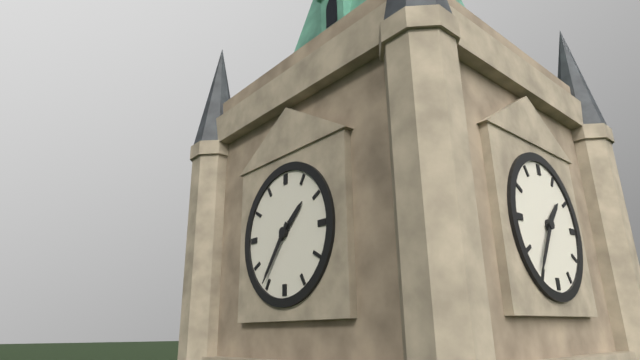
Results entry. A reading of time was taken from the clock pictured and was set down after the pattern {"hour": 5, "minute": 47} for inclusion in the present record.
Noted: {"hour": 1, "minute": 36}
